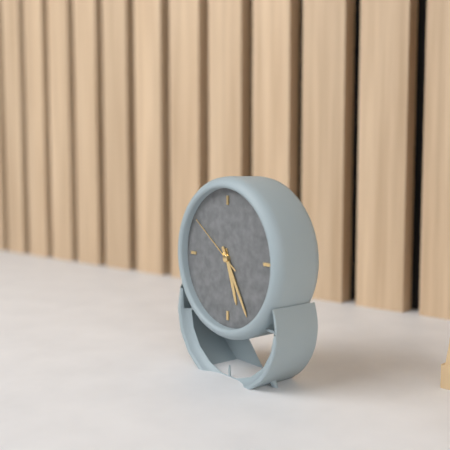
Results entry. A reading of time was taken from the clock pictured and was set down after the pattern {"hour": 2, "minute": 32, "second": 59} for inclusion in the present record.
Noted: {"hour": 5, "minute": 25, "second": 51}
